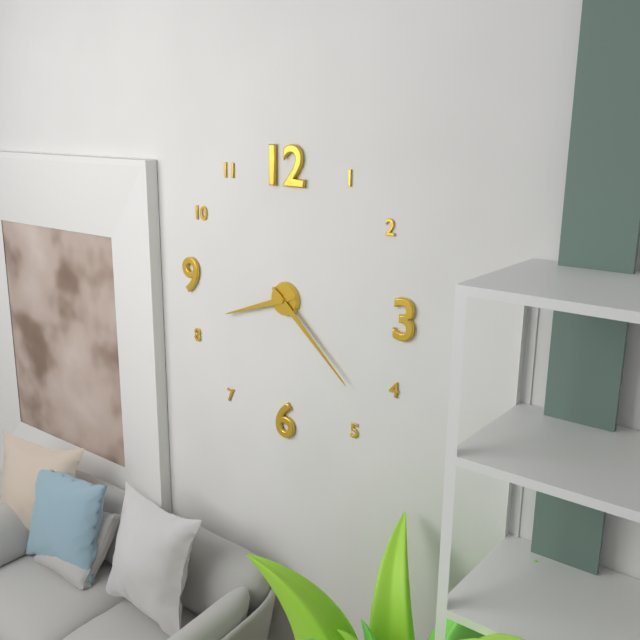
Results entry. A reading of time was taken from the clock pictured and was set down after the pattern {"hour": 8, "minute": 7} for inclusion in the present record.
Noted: {"hour": 8, "minute": 22}
